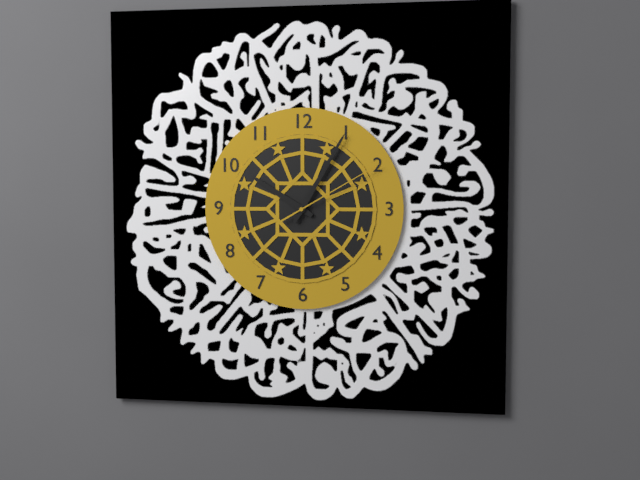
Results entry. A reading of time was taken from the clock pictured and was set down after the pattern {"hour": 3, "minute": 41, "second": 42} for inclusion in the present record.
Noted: {"hour": 10, "minute": 5, "second": 10}
